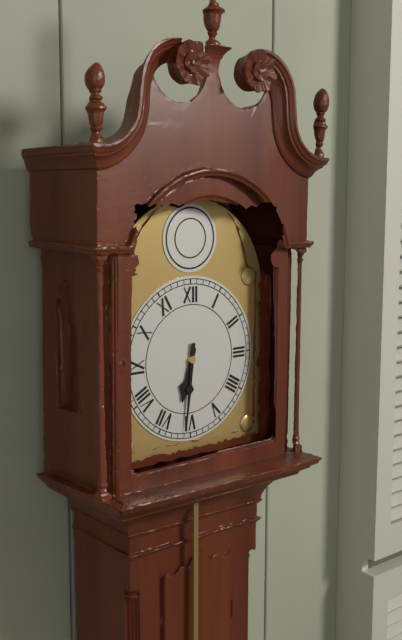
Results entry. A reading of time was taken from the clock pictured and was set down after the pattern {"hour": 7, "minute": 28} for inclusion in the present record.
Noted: {"hour": 6, "minute": 31}
